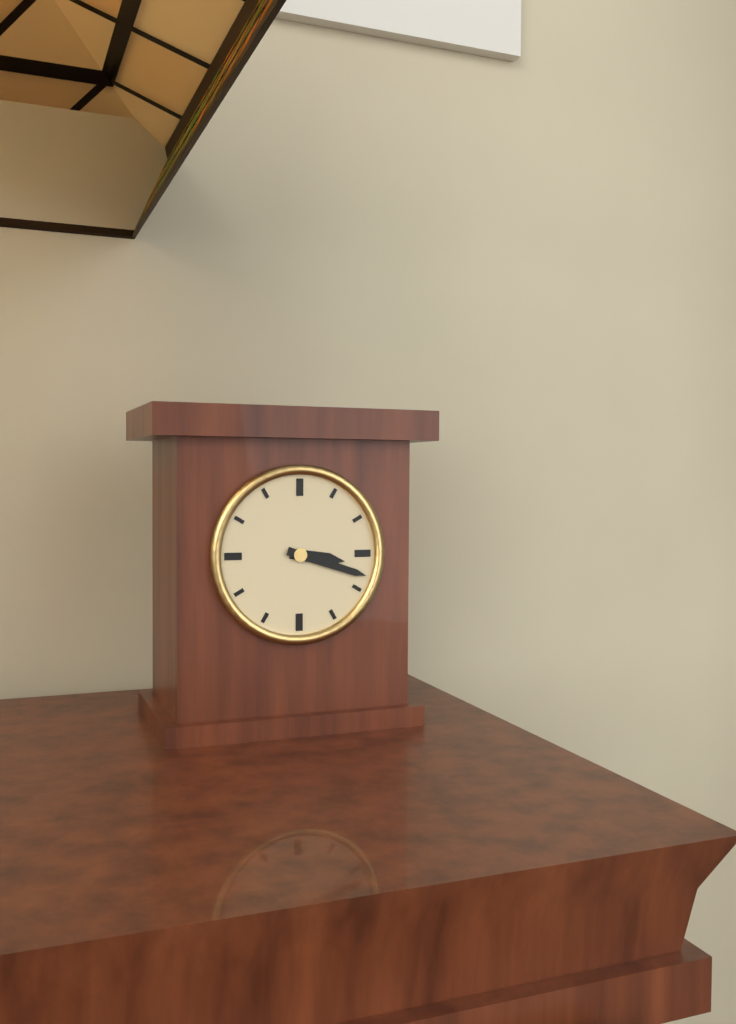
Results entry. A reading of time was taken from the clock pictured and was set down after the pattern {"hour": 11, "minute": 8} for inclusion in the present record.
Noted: {"hour": 3, "minute": 18}
